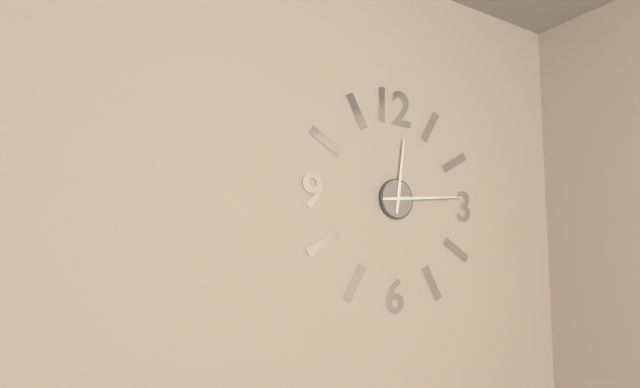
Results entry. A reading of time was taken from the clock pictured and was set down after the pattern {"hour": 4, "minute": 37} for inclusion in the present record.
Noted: {"hour": 12, "minute": 14}
